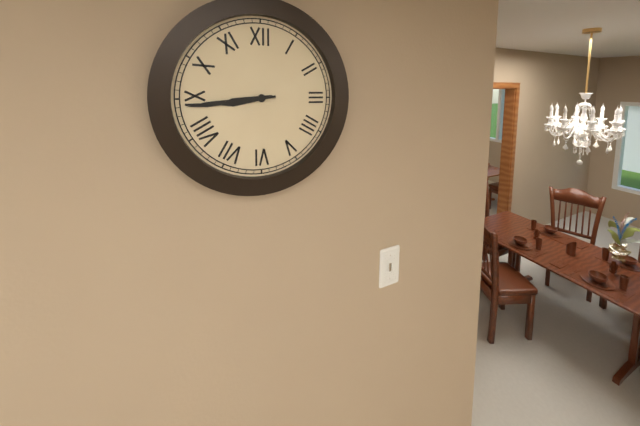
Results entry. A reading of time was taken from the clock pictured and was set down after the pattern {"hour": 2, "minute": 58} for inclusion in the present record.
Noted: {"hour": 8, "minute": 44}
